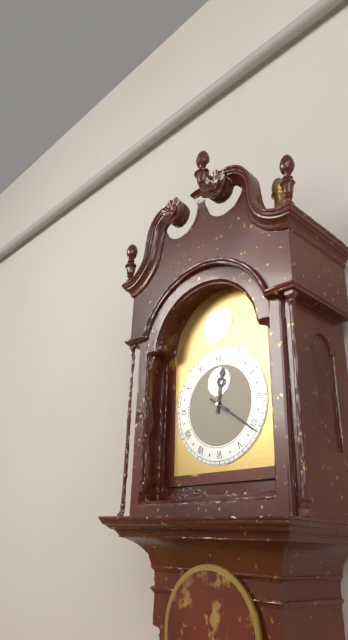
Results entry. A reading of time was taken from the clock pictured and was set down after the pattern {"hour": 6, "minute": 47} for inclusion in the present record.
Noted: {"hour": 12, "minute": 21}
